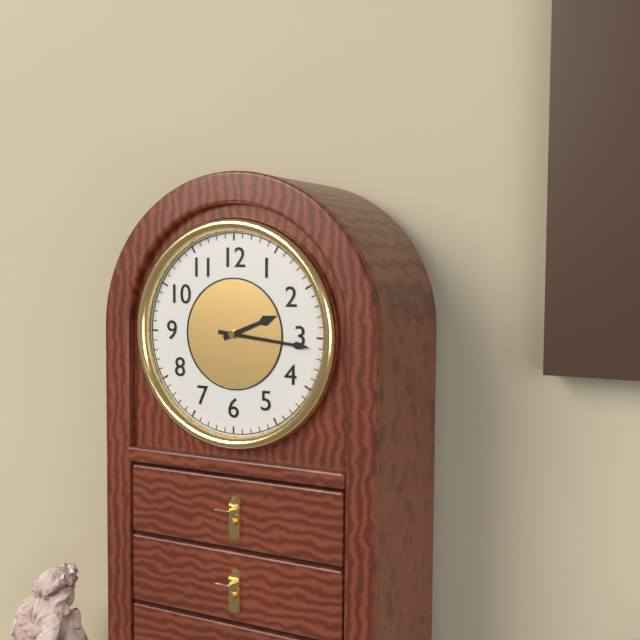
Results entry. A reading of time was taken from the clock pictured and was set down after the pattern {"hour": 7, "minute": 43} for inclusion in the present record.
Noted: {"hour": 2, "minute": 16}
